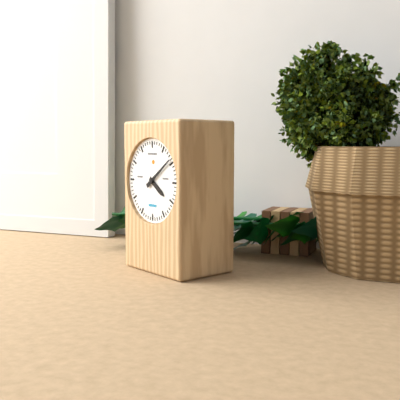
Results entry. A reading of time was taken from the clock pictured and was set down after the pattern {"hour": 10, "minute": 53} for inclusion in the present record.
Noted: {"hour": 4, "minute": 9}
